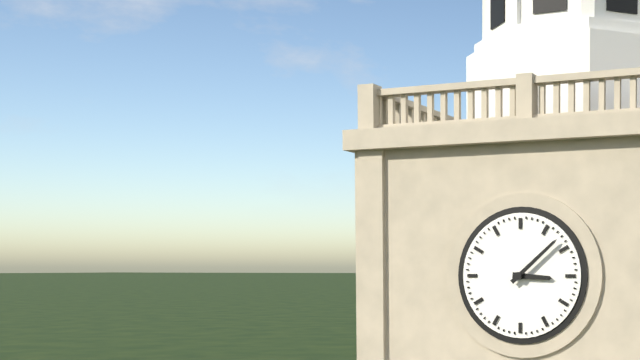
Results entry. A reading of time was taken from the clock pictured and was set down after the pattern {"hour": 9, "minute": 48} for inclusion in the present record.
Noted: {"hour": 3, "minute": 8}
